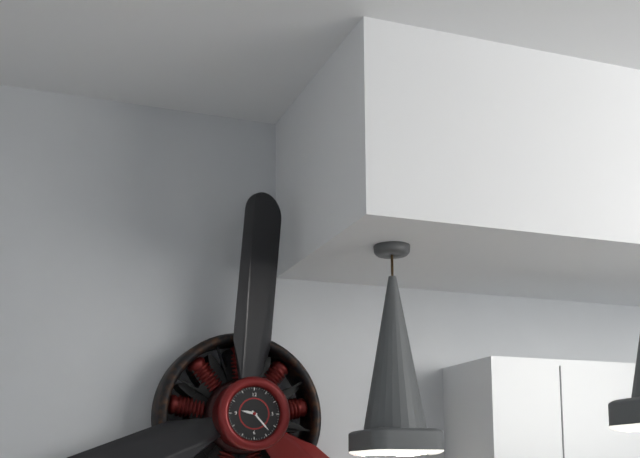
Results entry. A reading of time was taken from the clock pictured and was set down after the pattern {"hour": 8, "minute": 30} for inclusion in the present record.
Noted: {"hour": 9, "minute": 23}
